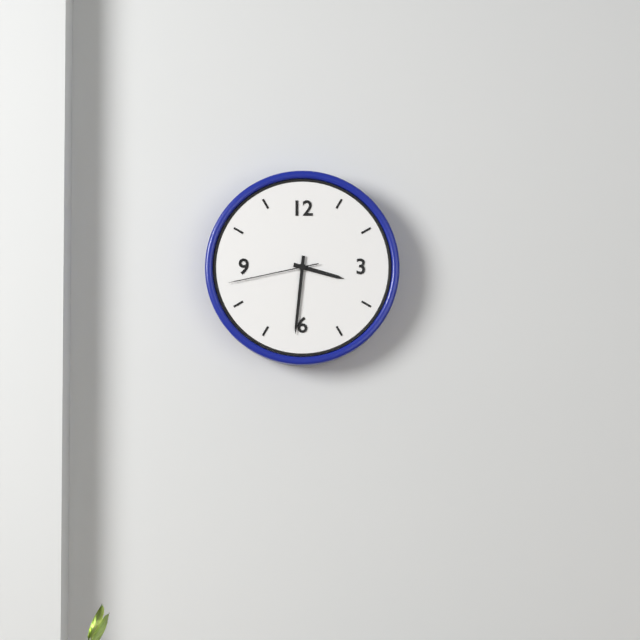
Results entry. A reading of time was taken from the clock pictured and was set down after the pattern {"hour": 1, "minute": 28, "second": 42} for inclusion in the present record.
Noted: {"hour": 3, "minute": 31, "second": 43}
